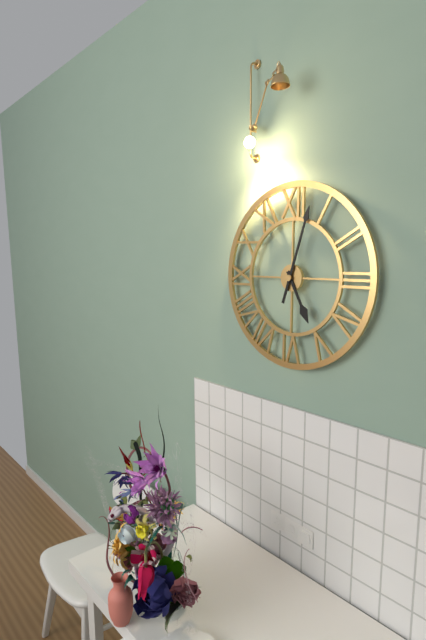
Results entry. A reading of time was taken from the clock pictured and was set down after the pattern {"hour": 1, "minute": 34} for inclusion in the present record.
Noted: {"hour": 5, "minute": 3}
